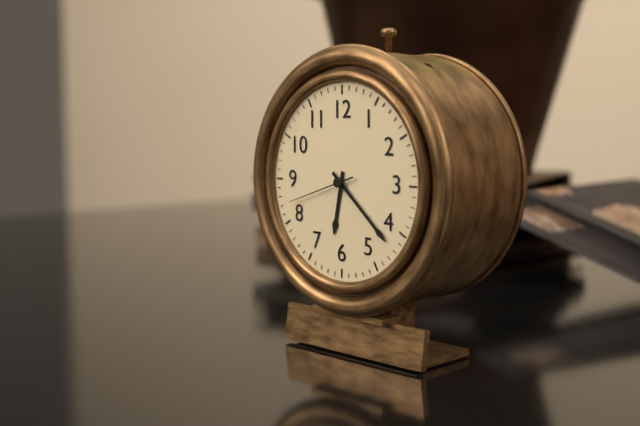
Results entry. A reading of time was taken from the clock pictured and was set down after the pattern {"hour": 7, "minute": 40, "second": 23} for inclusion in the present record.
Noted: {"hour": 6, "minute": 22, "second": 42}
